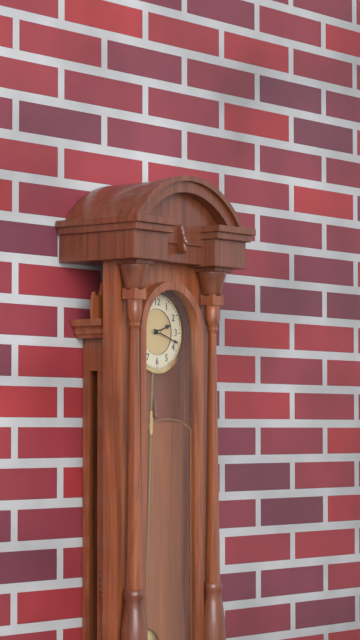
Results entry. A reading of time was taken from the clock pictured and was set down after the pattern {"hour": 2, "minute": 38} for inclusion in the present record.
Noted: {"hour": 2, "minute": 18}
